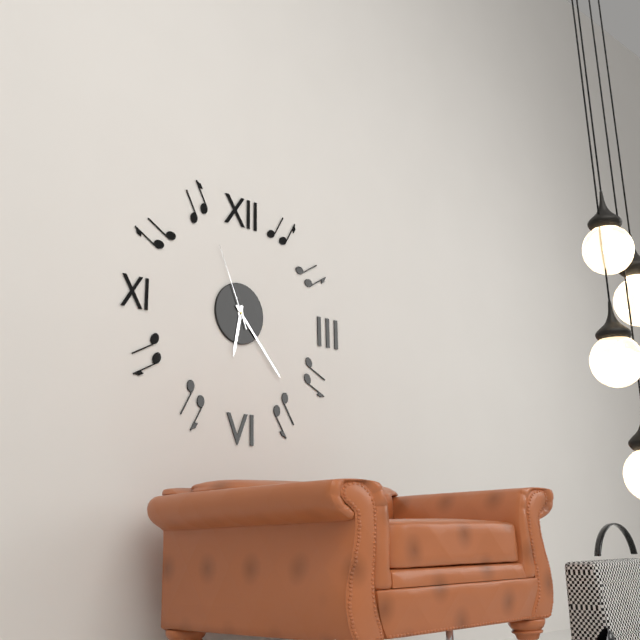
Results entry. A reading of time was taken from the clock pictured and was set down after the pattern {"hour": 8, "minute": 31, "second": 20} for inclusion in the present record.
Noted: {"hour": 6, "minute": 23, "second": 56}
